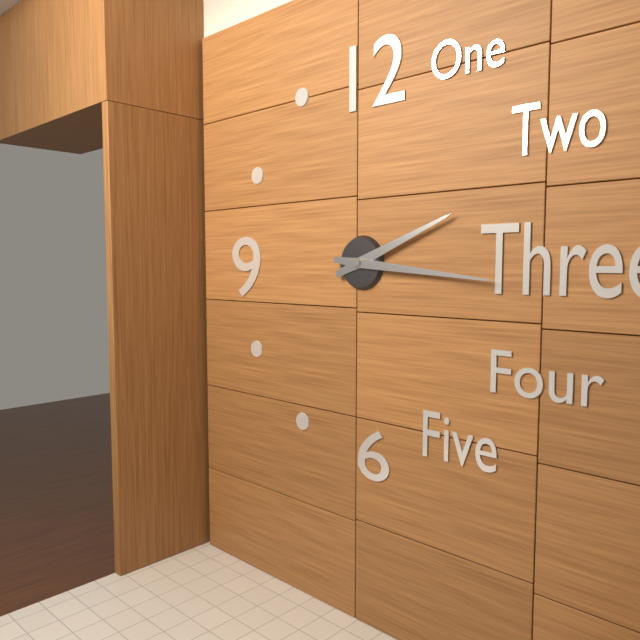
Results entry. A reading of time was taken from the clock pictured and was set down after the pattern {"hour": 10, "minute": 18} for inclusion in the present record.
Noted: {"hour": 2, "minute": 16}
